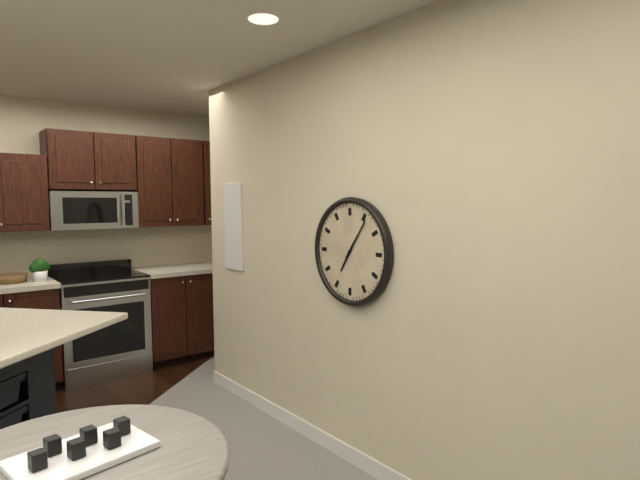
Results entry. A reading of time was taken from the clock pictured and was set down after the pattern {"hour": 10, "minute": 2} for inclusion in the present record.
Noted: {"hour": 7, "minute": 6}
